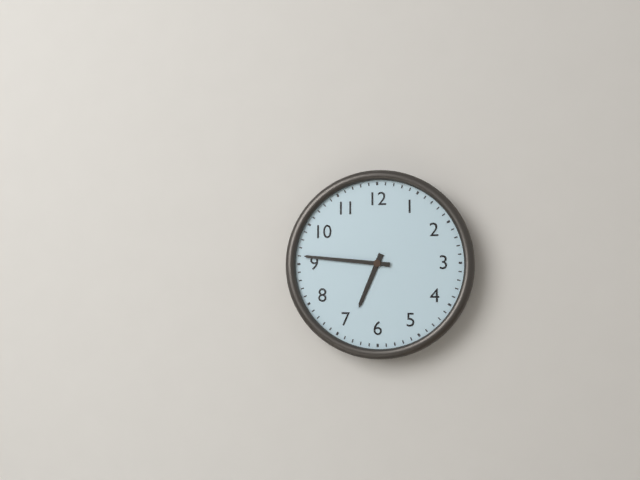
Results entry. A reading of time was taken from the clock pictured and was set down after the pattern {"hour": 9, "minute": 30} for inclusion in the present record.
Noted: {"hour": 6, "minute": 46}
